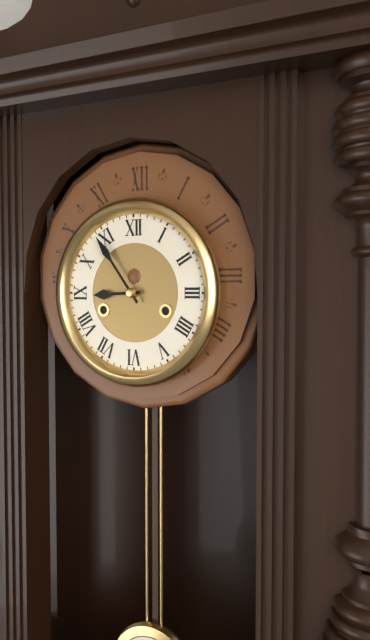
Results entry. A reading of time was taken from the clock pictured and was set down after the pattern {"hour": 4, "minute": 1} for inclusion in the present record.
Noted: {"hour": 8, "minute": 54}
